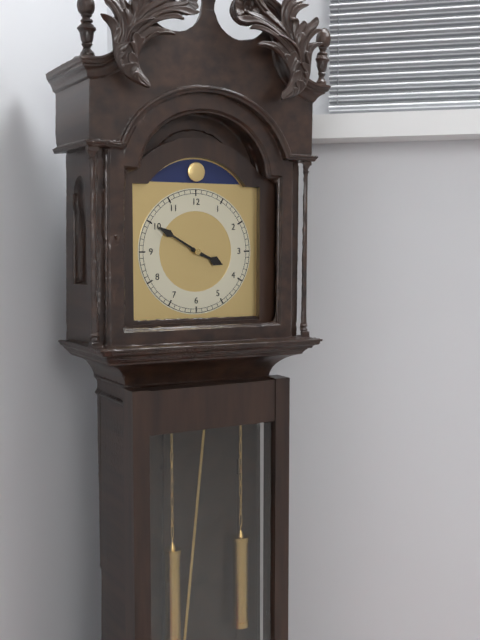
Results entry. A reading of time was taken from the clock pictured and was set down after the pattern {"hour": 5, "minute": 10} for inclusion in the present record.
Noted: {"hour": 3, "minute": 50}
